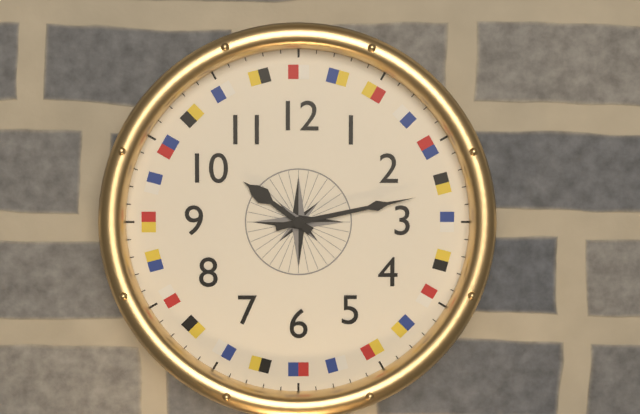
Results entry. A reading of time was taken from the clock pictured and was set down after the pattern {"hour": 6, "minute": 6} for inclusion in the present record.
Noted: {"hour": 10, "minute": 13}
